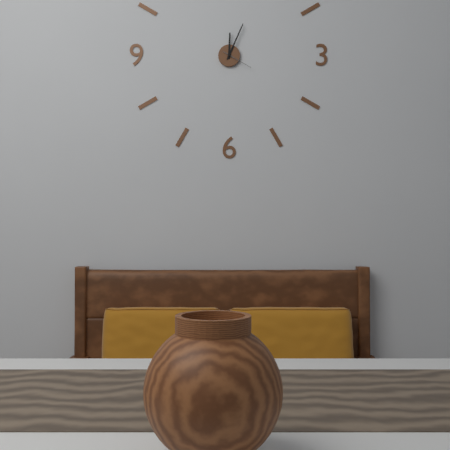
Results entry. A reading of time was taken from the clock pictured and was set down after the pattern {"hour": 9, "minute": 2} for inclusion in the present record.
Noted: {"hour": 12, "minute": 4}
